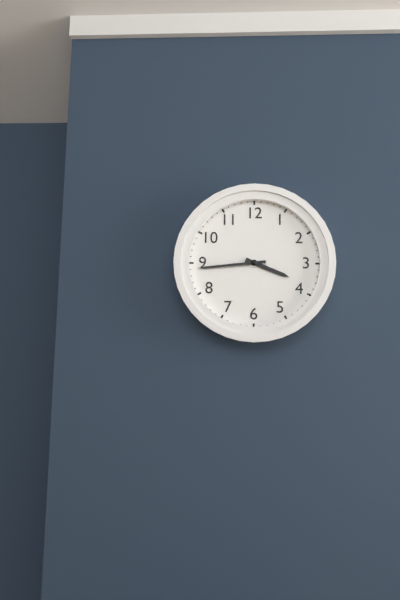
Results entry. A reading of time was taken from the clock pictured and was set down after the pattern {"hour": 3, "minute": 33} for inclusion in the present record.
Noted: {"hour": 3, "minute": 44}
